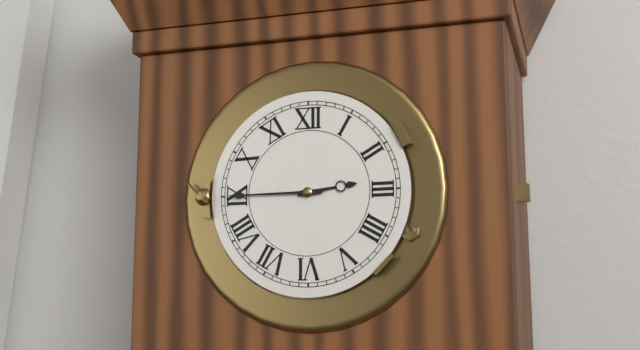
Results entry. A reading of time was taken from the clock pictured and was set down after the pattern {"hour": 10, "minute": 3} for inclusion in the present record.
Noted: {"hour": 2, "minute": 45}
